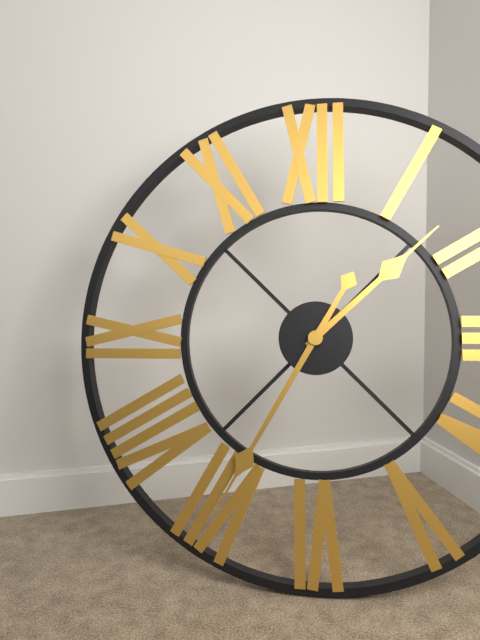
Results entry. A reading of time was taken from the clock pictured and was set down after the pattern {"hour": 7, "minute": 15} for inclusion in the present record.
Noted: {"hour": 1, "minute": 35}
